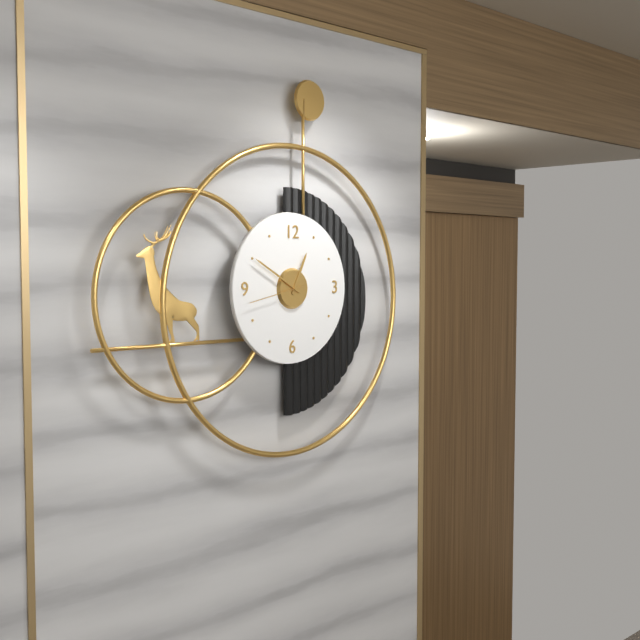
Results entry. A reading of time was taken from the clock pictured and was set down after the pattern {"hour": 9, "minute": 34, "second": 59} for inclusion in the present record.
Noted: {"hour": 12, "minute": 50, "second": 43}
